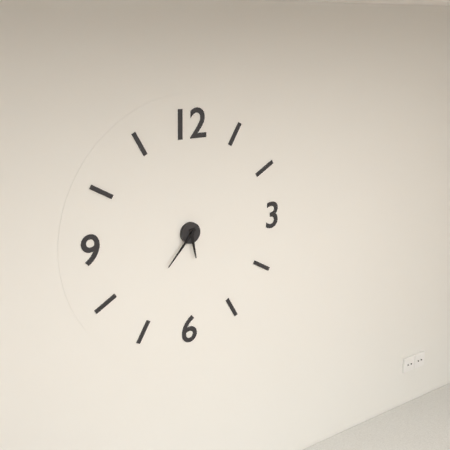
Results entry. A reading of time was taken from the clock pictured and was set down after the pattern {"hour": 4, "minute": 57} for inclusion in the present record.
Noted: {"hour": 5, "minute": 37}
